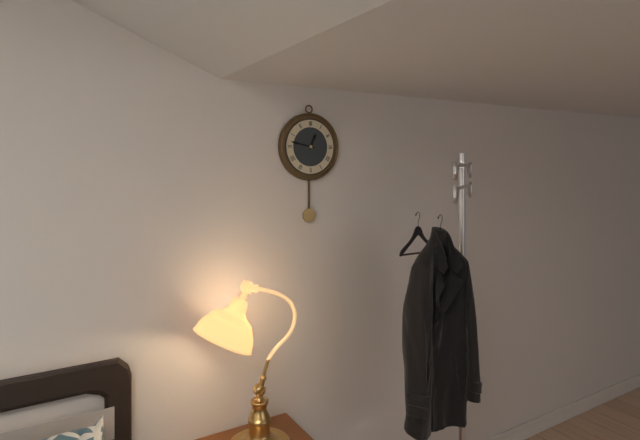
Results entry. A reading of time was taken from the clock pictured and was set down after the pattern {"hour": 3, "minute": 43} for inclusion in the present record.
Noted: {"hour": 12, "minute": 47}
